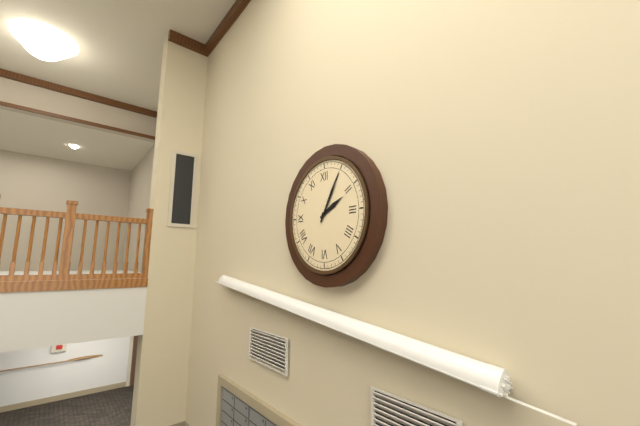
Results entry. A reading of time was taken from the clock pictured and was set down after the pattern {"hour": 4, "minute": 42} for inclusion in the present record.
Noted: {"hour": 2, "minute": 5}
